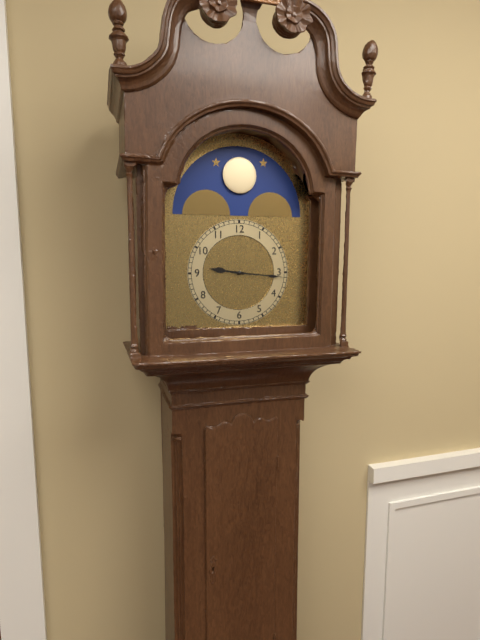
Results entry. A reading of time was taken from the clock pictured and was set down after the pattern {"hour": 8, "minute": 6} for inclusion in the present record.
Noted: {"hour": 9, "minute": 16}
